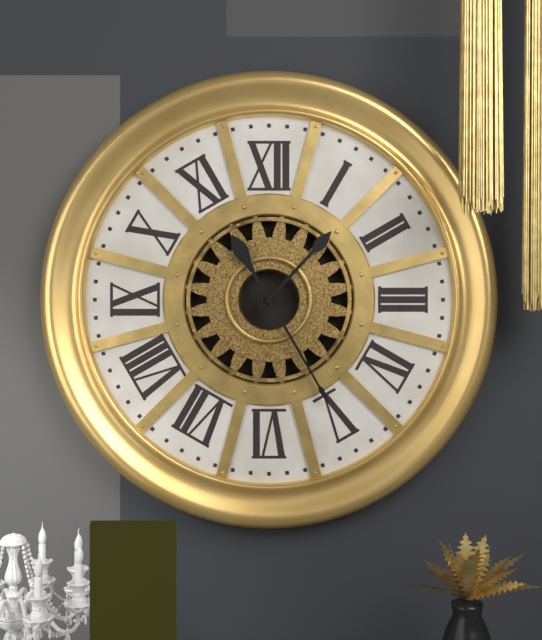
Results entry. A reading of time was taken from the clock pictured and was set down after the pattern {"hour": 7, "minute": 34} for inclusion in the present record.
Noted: {"hour": 1, "minute": 25}
